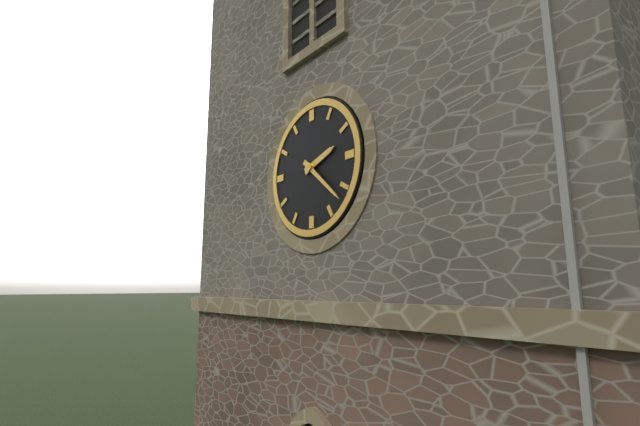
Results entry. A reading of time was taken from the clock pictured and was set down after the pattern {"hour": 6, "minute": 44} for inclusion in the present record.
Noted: {"hour": 2, "minute": 22}
